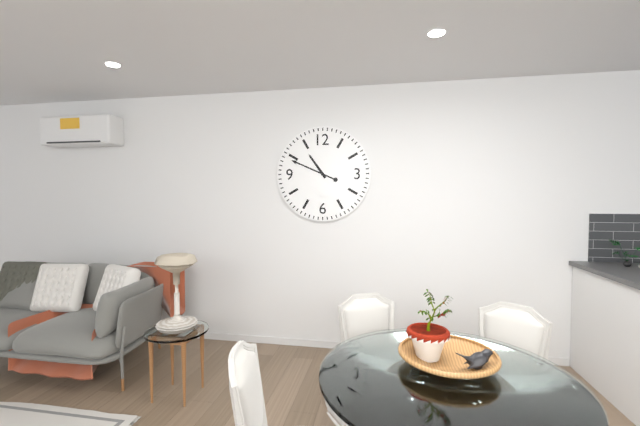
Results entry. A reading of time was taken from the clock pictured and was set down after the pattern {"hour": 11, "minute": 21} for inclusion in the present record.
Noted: {"hour": 10, "minute": 49}
